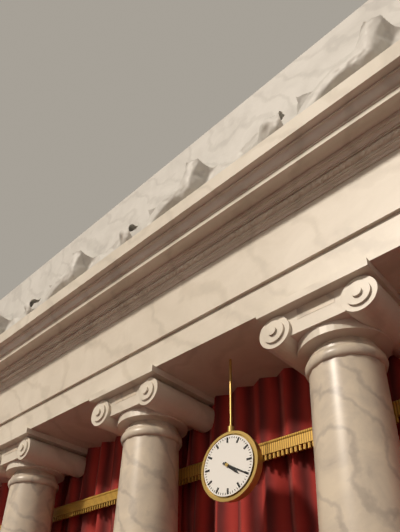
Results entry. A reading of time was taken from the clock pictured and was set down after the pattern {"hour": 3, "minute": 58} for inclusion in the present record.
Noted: {"hour": 4, "minute": 20}
